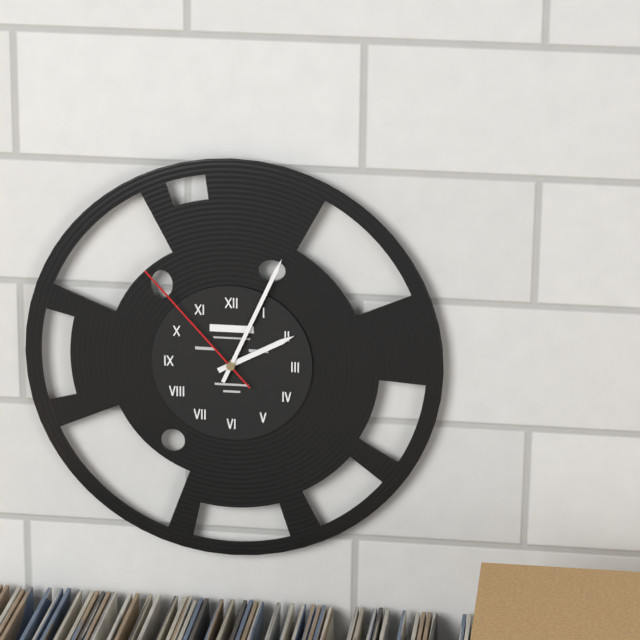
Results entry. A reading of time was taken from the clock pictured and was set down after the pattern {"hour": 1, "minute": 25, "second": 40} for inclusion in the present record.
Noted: {"hour": 2, "minute": 4, "second": 53}
